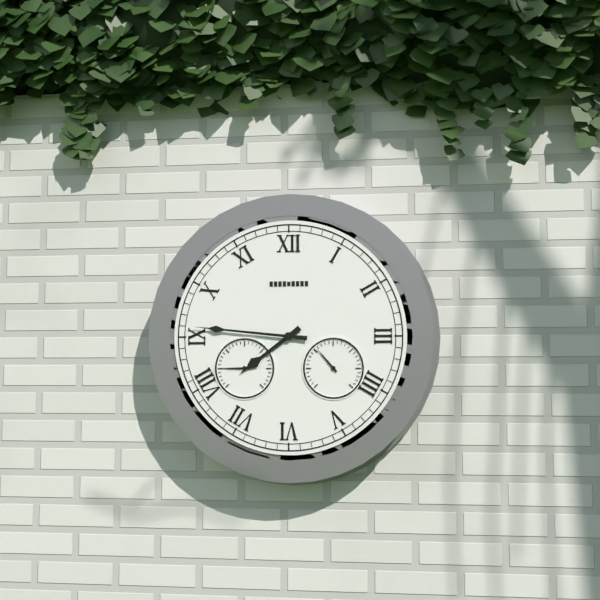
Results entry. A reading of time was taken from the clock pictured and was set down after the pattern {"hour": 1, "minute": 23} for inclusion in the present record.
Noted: {"hour": 7, "minute": 46}
